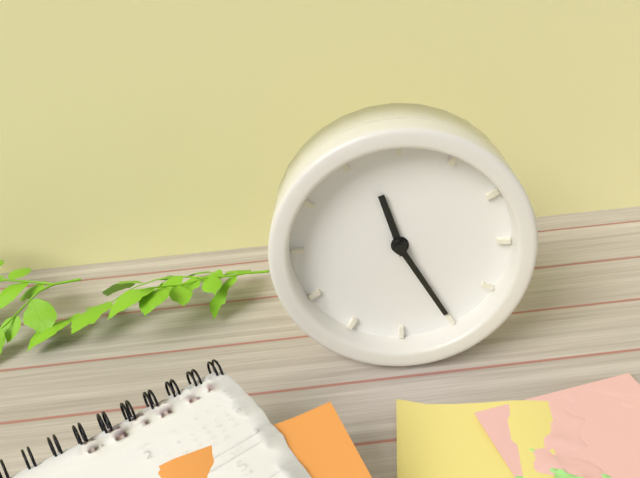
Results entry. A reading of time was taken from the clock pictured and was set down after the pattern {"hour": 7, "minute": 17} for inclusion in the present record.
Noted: {"hour": 11, "minute": 25}
